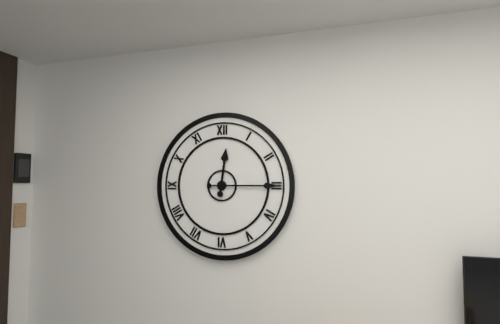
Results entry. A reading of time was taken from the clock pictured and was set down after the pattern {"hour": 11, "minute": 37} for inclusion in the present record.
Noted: {"hour": 12, "minute": 15}
